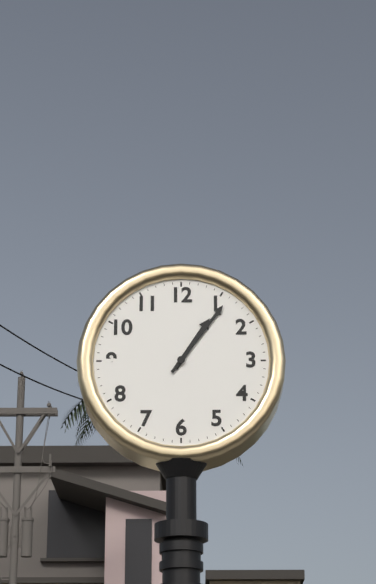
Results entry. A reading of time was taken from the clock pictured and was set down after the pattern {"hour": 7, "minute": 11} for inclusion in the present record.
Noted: {"hour": 1, "minute": 6}
